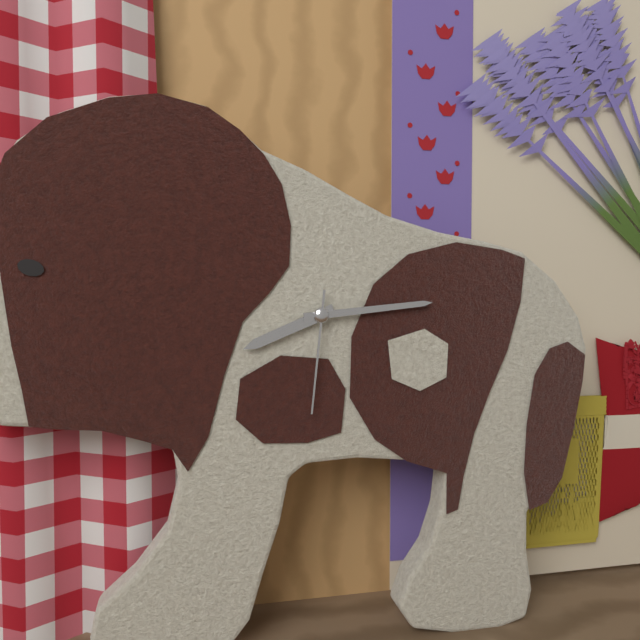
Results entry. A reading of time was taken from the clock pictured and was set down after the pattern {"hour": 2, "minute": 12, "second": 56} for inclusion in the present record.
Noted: {"hour": 8, "minute": 14, "second": 31}
